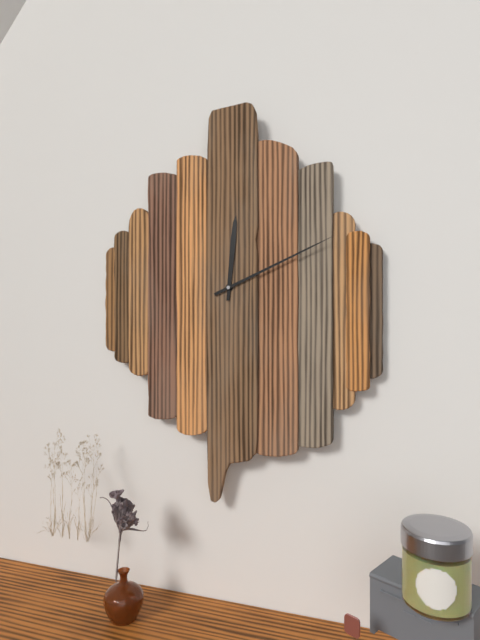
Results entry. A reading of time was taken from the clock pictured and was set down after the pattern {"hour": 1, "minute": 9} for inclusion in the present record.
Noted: {"hour": 12, "minute": 11}
